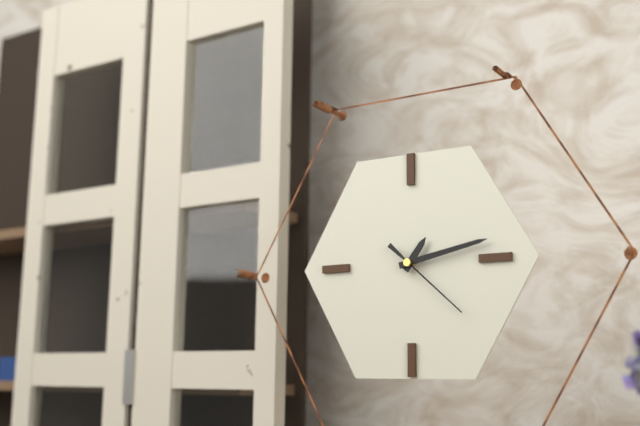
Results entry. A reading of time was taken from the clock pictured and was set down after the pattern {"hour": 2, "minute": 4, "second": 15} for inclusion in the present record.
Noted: {"hour": 1, "minute": 13, "second": 22}
